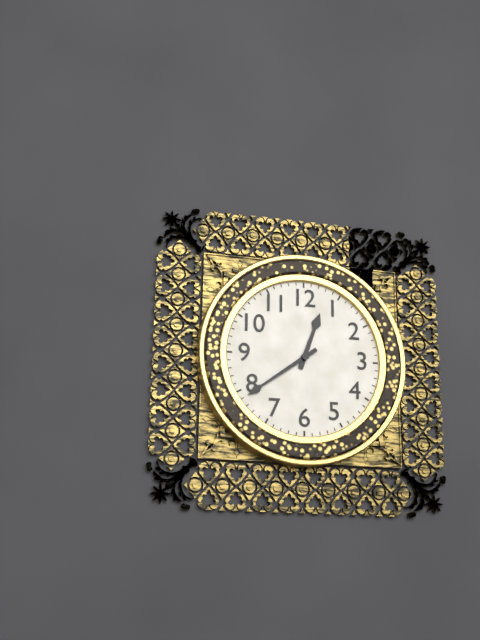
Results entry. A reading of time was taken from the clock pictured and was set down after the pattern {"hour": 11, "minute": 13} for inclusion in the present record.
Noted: {"hour": 12, "minute": 39}
